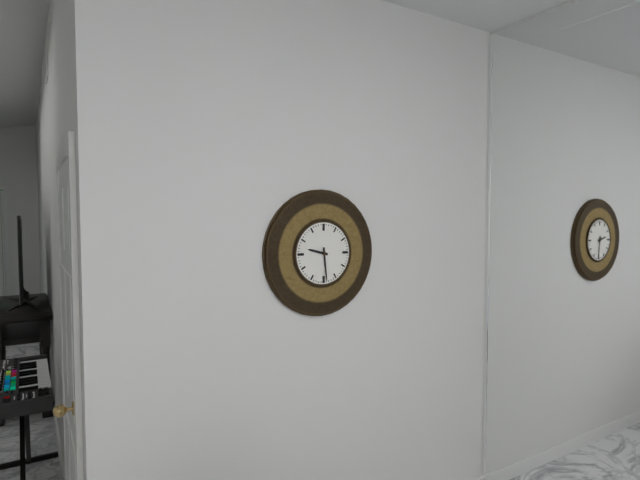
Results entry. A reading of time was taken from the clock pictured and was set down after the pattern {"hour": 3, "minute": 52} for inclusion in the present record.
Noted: {"hour": 9, "minute": 29}
